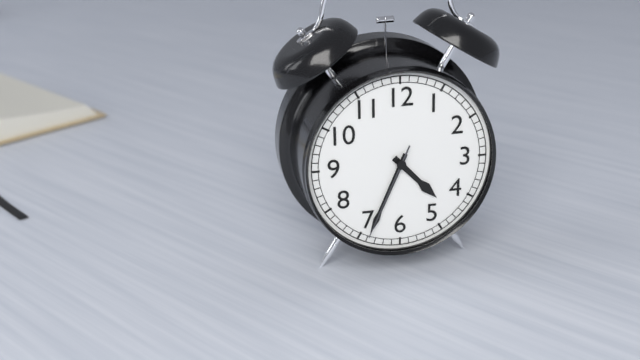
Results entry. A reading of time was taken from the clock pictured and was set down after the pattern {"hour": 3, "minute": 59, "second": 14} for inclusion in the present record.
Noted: {"hour": 4, "minute": 34, "second": 34}
